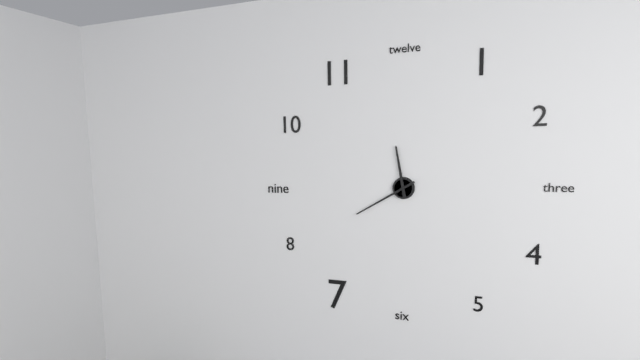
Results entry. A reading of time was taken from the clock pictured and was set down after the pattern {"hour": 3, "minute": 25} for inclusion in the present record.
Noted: {"hour": 11, "minute": 40}
